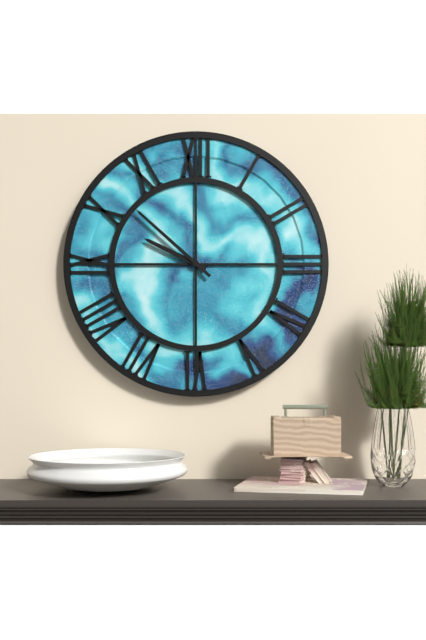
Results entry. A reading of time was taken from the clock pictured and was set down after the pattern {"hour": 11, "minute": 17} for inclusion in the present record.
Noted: {"hour": 9, "minute": 52}
